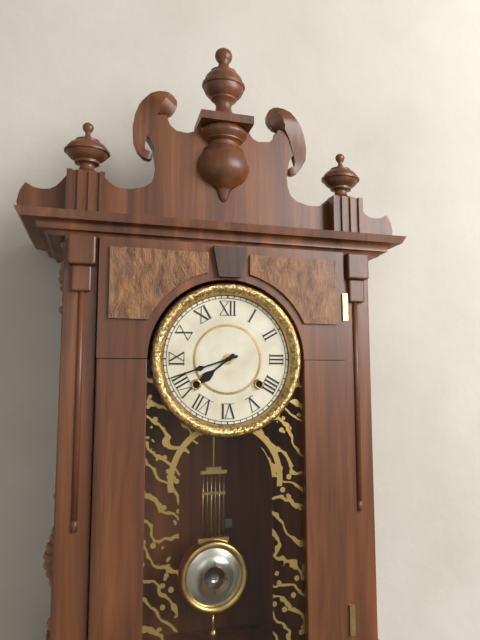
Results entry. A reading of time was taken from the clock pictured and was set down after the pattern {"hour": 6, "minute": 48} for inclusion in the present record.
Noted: {"hour": 7, "minute": 42}
